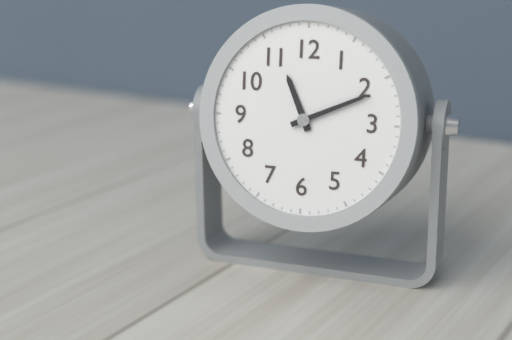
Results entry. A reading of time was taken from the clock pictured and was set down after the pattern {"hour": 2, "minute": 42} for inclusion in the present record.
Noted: {"hour": 11, "minute": 11}
